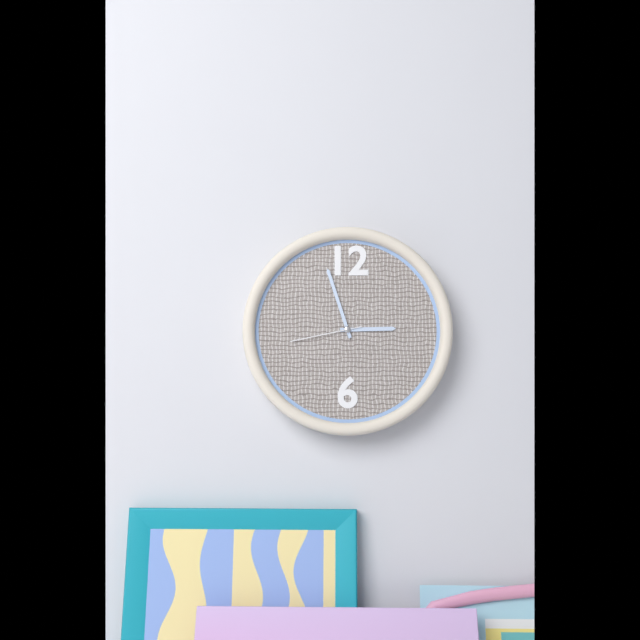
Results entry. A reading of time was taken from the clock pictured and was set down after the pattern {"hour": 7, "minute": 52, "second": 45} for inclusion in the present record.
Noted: {"hour": 2, "minute": 57, "second": 43}
